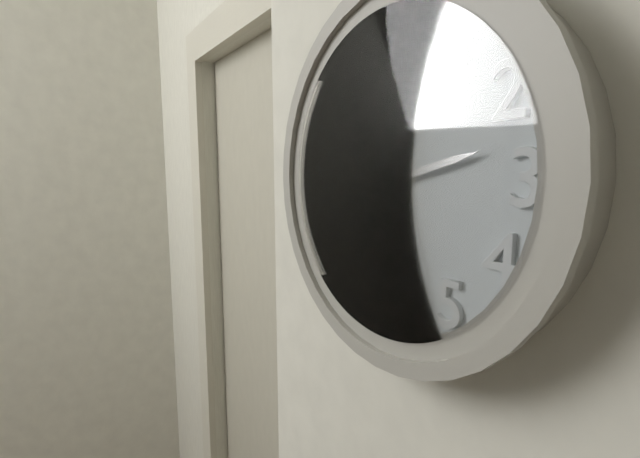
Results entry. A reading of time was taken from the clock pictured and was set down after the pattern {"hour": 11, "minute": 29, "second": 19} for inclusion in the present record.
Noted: {"hour": 2, "minute": 32, "second": 27}
